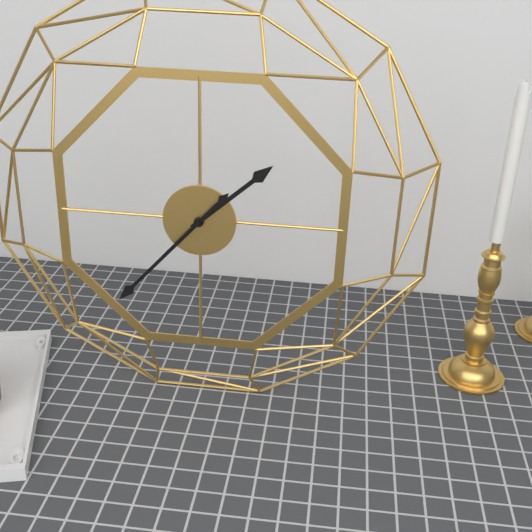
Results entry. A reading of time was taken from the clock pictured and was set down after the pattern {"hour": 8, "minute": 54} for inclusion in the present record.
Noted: {"hour": 1, "minute": 37}
